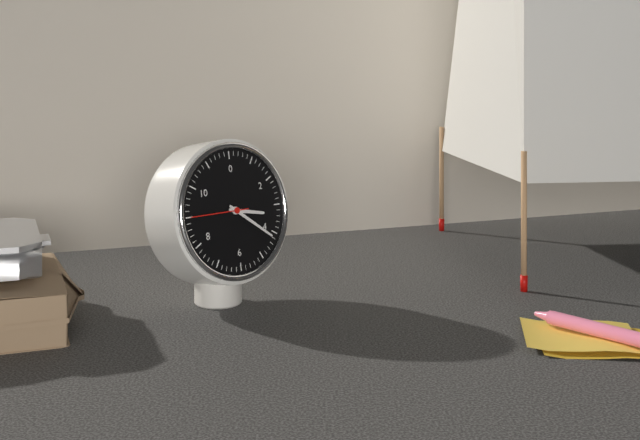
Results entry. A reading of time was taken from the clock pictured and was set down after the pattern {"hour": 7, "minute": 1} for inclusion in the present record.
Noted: {"hour": 3, "minute": 21}
